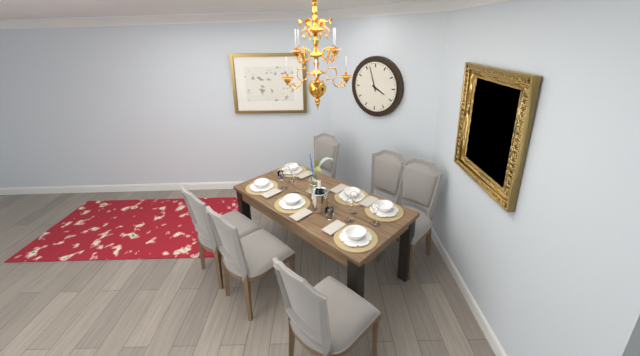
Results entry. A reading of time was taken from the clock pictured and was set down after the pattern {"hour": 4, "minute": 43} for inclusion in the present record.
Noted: {"hour": 3, "minute": 57}
